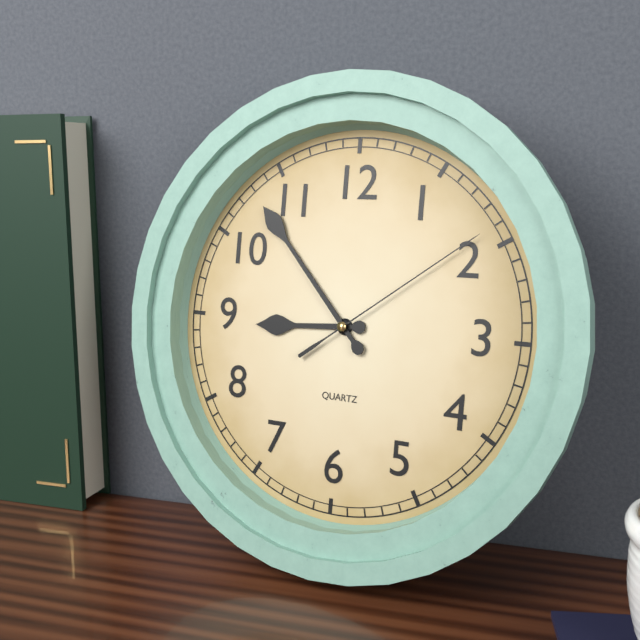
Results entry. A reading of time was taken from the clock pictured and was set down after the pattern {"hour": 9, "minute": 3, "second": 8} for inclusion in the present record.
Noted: {"hour": 8, "minute": 53, "second": 9}
